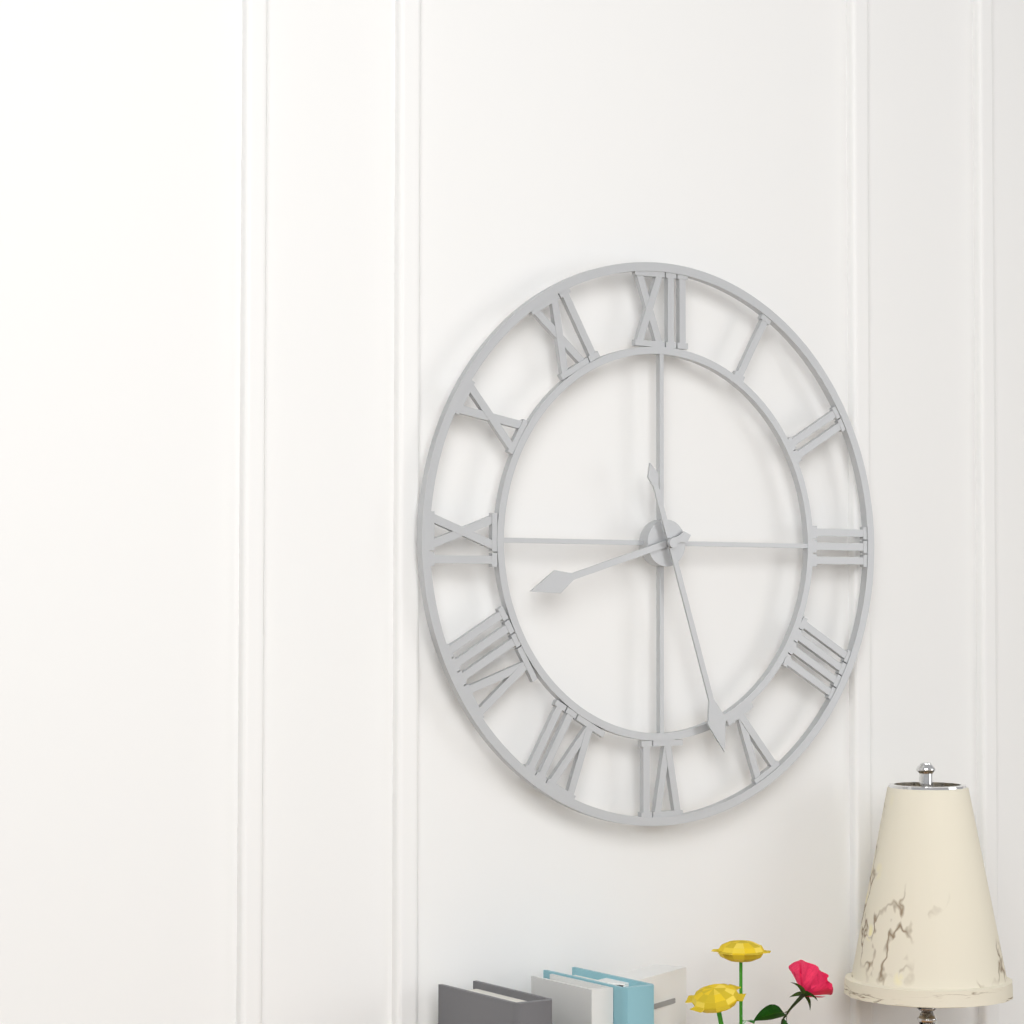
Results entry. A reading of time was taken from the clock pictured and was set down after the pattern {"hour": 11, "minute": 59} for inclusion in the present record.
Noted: {"hour": 8, "minute": 27}
